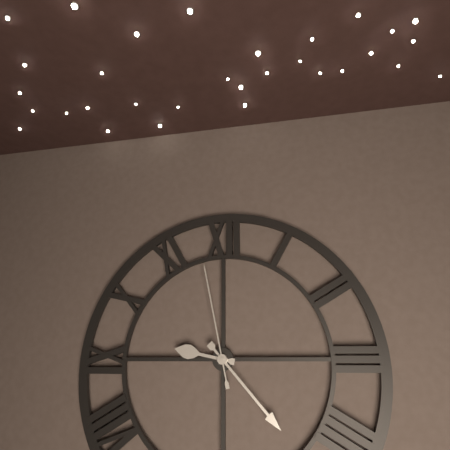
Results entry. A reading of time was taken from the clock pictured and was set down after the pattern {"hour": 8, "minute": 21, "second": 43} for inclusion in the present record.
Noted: {"hour": 9, "minute": 23, "second": 58}
